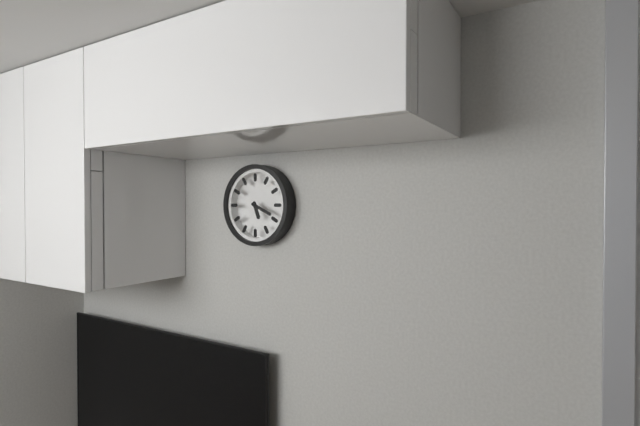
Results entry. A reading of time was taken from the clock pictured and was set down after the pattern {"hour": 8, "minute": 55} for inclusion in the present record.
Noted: {"hour": 5, "minute": 19}
